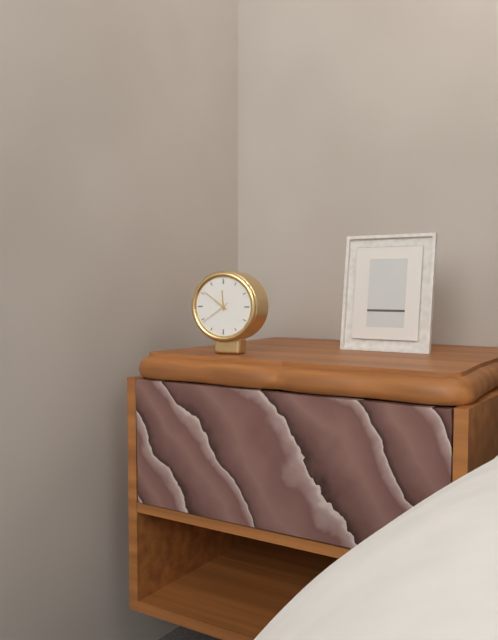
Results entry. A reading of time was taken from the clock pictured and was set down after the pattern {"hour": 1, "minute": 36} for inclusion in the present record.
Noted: {"hour": 11, "minute": 51}
